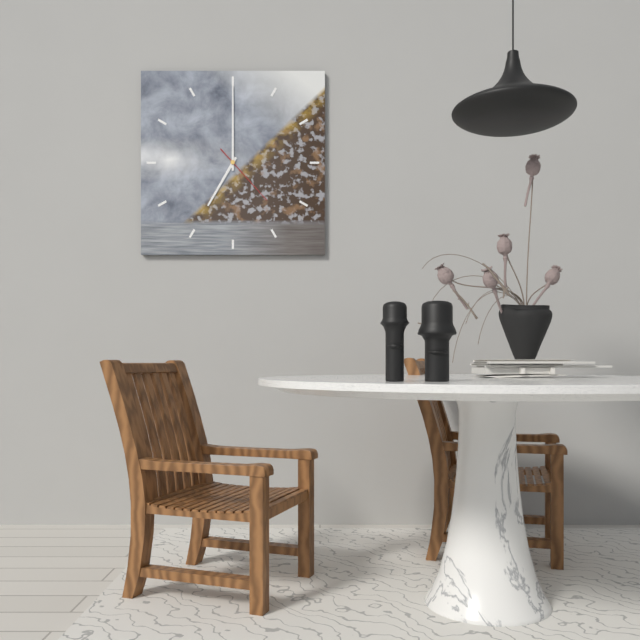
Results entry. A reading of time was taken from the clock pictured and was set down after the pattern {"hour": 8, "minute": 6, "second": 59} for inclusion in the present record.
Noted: {"hour": 7, "minute": 0, "second": 23}
